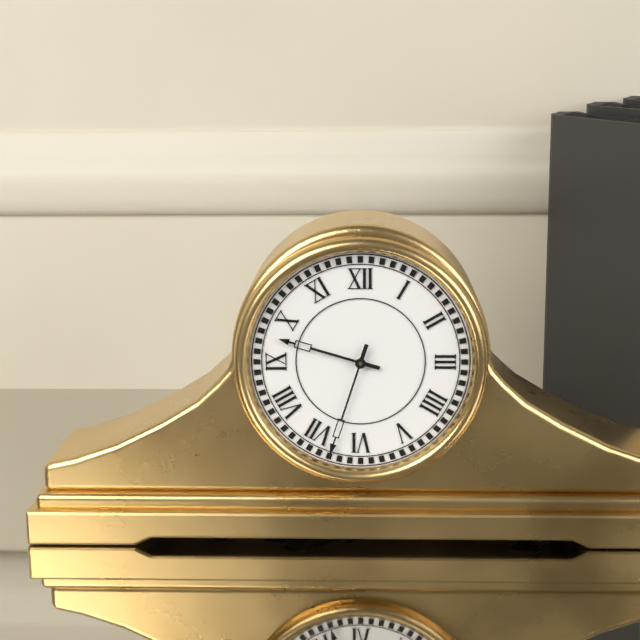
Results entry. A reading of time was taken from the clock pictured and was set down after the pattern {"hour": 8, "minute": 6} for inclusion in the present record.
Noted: {"hour": 9, "minute": 33}
